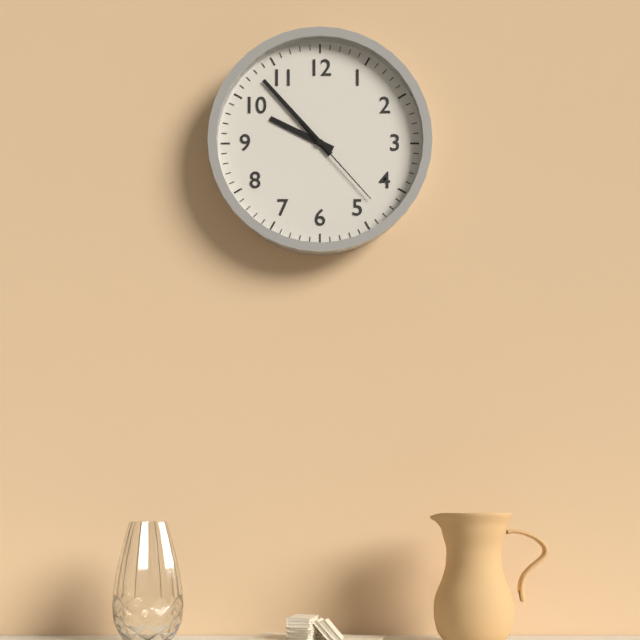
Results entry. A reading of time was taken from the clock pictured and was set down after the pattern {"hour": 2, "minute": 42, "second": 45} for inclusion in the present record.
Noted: {"hour": 9, "minute": 53, "second": 23}
